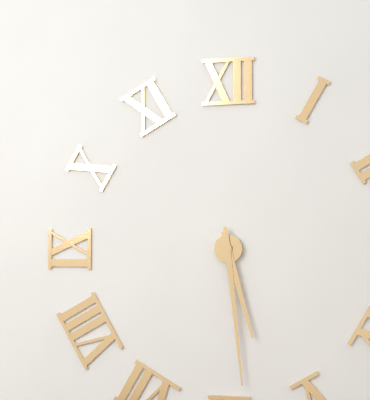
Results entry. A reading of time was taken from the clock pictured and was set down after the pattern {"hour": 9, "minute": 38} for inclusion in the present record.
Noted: {"hour": 5, "minute": 29}
